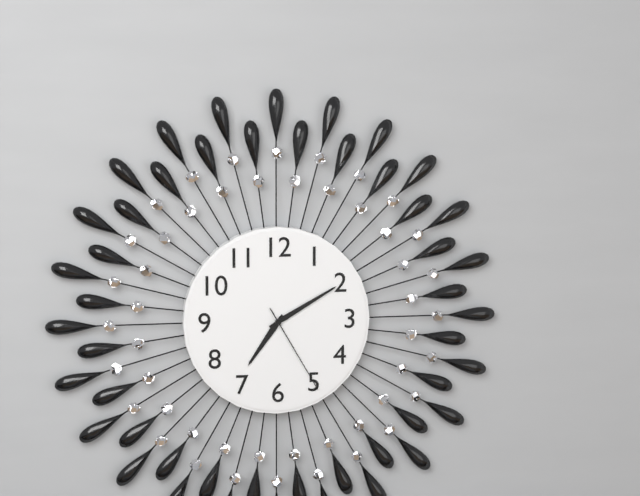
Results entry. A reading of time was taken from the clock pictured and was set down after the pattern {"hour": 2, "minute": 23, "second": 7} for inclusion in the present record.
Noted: {"hour": 7, "minute": 10, "second": 25}
